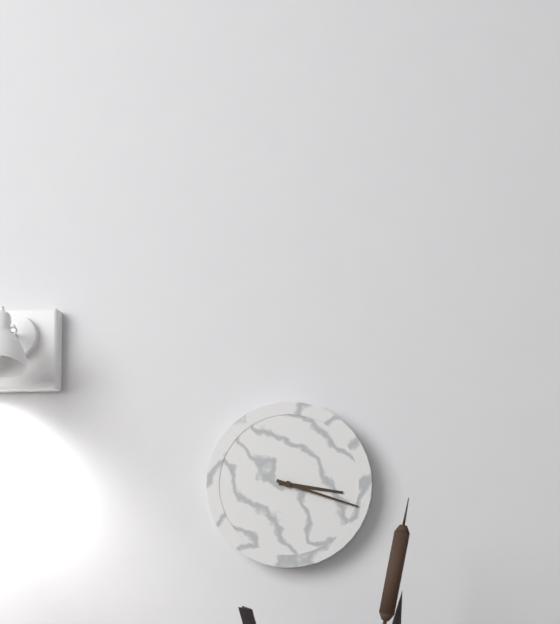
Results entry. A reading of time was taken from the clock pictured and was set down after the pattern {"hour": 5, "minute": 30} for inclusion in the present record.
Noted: {"hour": 3, "minute": 18}
